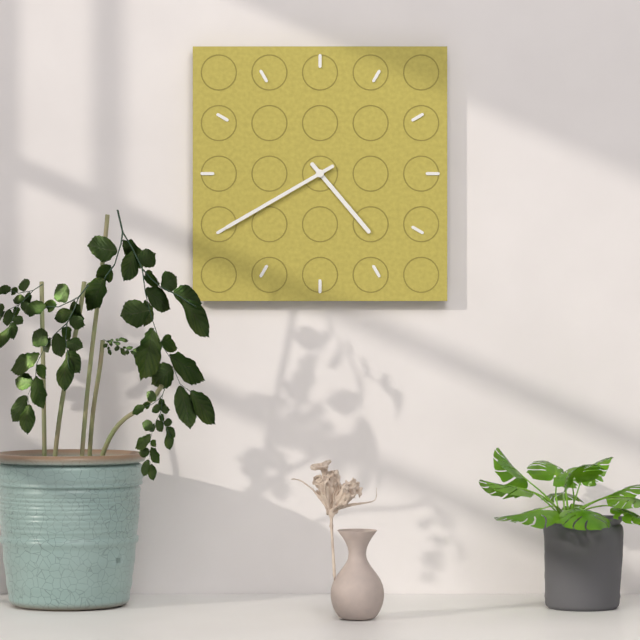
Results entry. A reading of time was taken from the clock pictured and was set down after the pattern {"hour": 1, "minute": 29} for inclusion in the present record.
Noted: {"hour": 4, "minute": 40}
